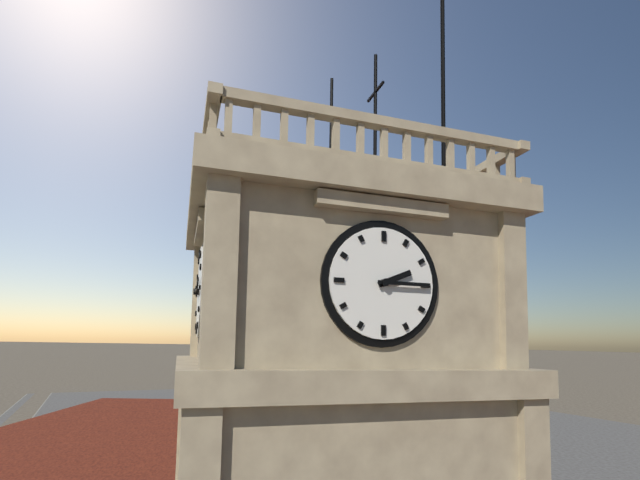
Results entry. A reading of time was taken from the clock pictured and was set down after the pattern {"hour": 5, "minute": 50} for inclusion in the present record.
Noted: {"hour": 2, "minute": 15}
